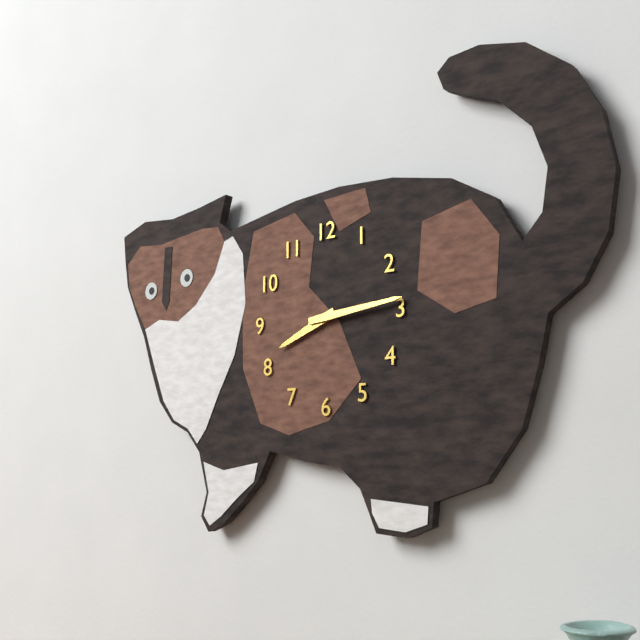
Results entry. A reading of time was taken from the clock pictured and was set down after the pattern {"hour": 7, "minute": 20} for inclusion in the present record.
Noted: {"hour": 8, "minute": 14}
